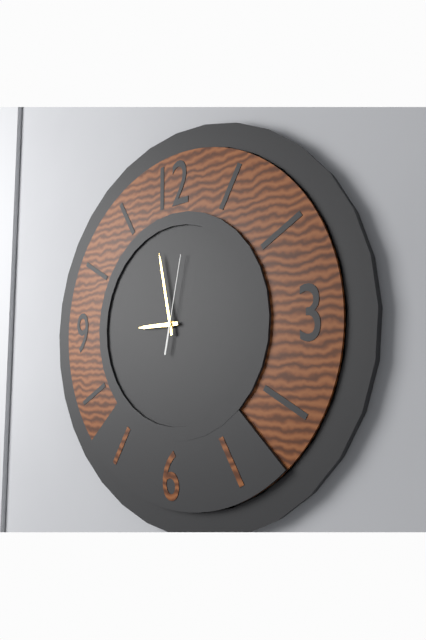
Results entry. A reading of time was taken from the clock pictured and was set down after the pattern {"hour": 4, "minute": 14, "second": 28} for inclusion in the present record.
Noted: {"hour": 8, "minute": 58, "second": 2}
